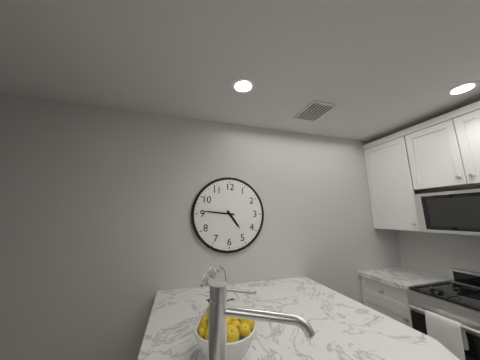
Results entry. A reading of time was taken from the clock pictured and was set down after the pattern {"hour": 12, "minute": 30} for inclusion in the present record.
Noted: {"hour": 4, "minute": 46}
